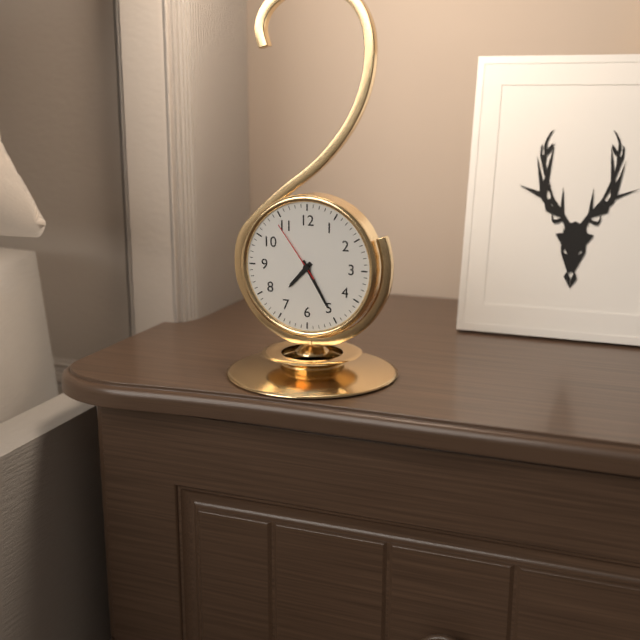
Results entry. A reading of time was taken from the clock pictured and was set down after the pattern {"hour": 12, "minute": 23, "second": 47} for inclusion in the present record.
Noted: {"hour": 7, "minute": 25, "second": 54}
